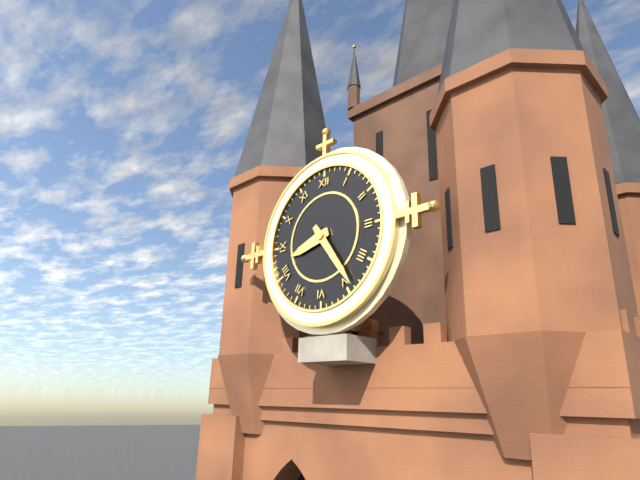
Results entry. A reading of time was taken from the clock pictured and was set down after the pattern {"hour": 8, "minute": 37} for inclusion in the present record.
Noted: {"hour": 8, "minute": 24}
